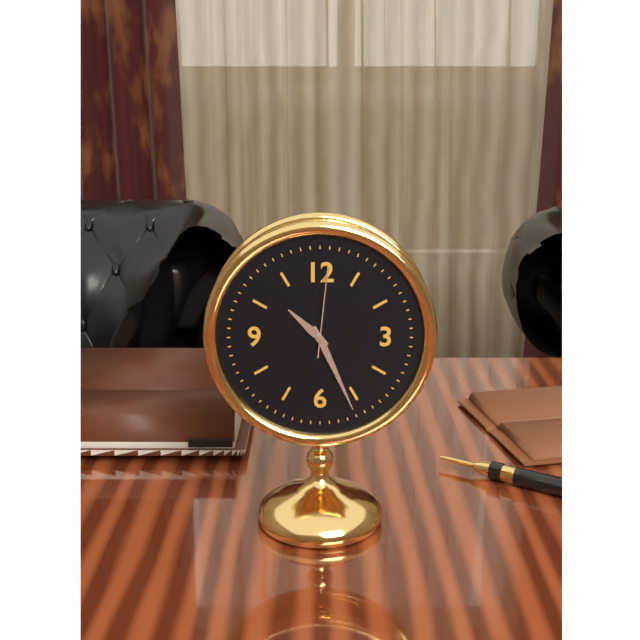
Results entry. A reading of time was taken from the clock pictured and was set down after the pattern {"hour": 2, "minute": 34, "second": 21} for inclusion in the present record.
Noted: {"hour": 10, "minute": 26, "second": 1}
